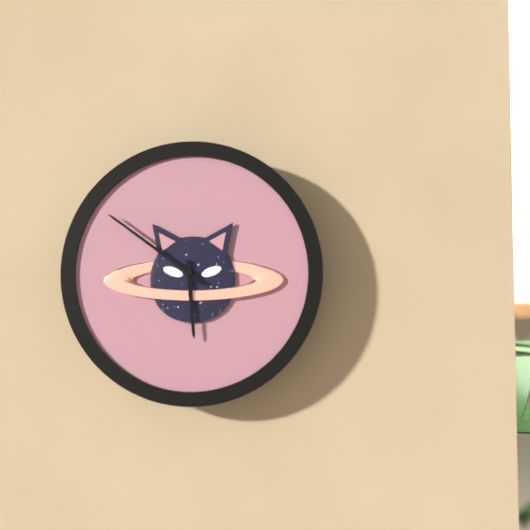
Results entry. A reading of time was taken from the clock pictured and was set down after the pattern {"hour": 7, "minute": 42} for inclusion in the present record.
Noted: {"hour": 5, "minute": 51}
